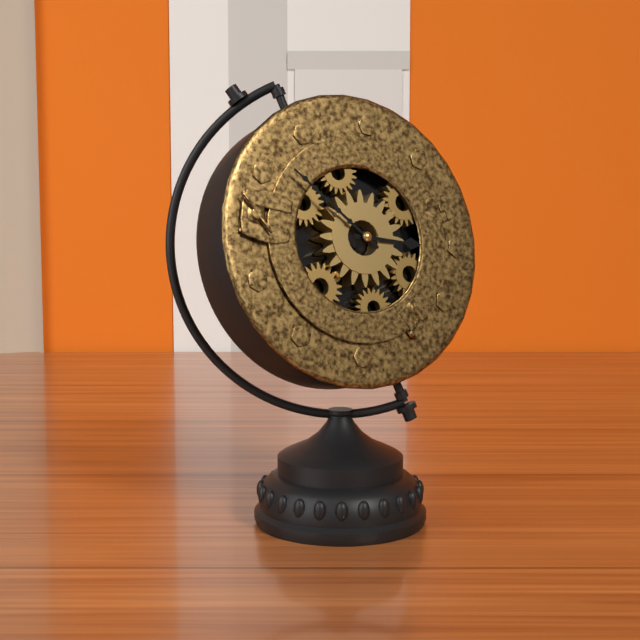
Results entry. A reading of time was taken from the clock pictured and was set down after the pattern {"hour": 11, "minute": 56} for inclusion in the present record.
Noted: {"hour": 2, "minute": 50}
